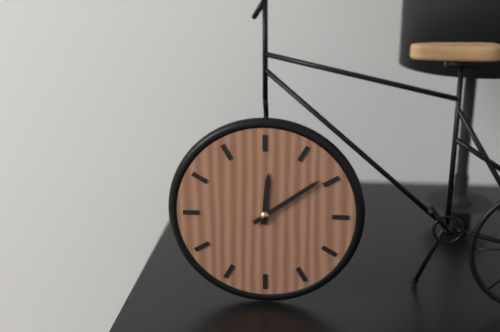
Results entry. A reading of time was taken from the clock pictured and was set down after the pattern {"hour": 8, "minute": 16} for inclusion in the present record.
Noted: {"hour": 12, "minute": 9}
